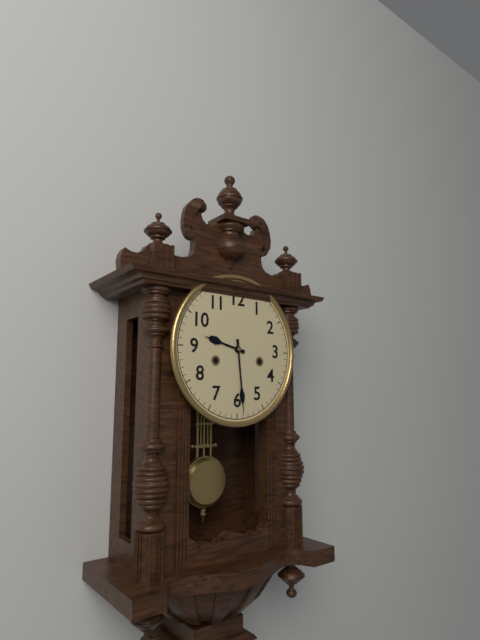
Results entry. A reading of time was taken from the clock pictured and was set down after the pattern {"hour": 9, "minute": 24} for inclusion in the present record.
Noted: {"hour": 9, "minute": 29}
